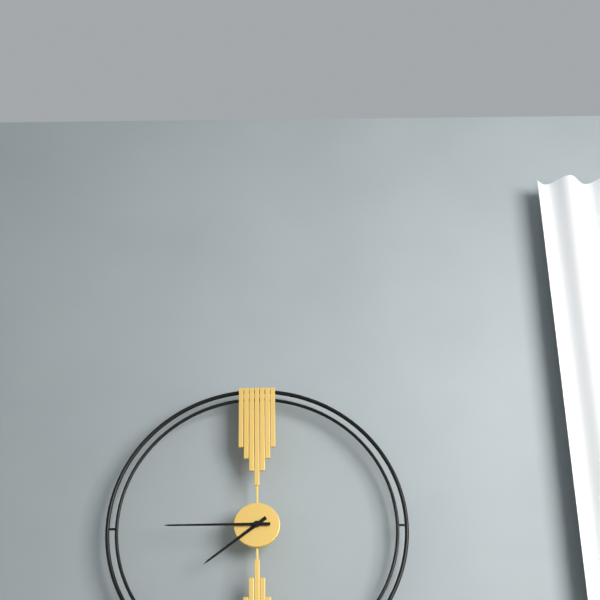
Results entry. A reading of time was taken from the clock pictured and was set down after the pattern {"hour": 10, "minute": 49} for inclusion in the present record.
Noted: {"hour": 7, "minute": 45}
